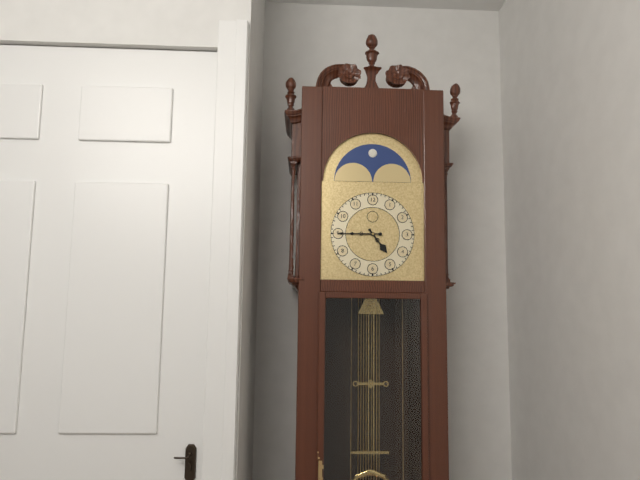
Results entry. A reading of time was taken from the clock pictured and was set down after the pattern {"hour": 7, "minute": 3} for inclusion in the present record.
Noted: {"hour": 4, "minute": 45}
